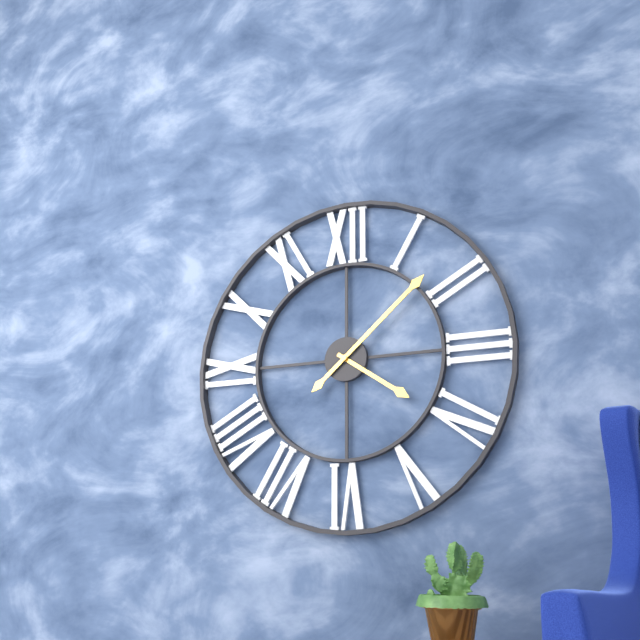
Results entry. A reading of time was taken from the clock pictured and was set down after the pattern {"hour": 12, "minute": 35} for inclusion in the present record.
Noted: {"hour": 4, "minute": 8}
